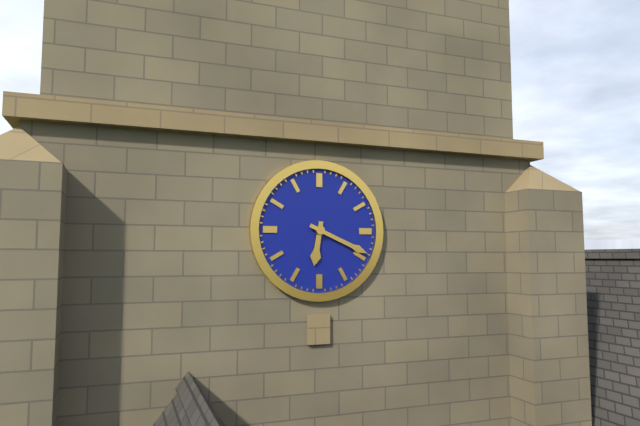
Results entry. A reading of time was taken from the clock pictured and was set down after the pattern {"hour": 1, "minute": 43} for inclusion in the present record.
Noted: {"hour": 6, "minute": 19}
